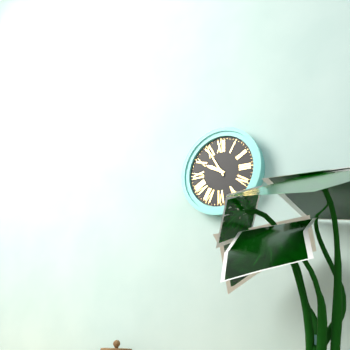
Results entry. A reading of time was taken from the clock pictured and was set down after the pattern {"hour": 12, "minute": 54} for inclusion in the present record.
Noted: {"hour": 9, "minute": 55}
